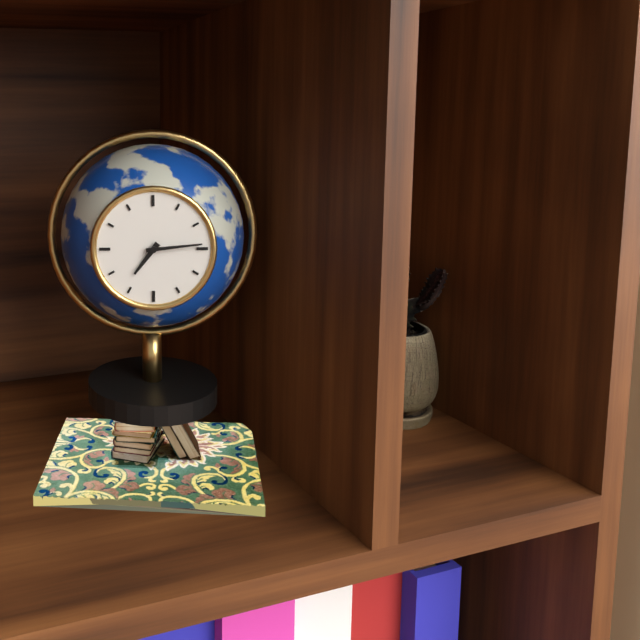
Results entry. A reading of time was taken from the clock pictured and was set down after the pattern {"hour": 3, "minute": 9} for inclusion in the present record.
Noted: {"hour": 7, "minute": 14}
